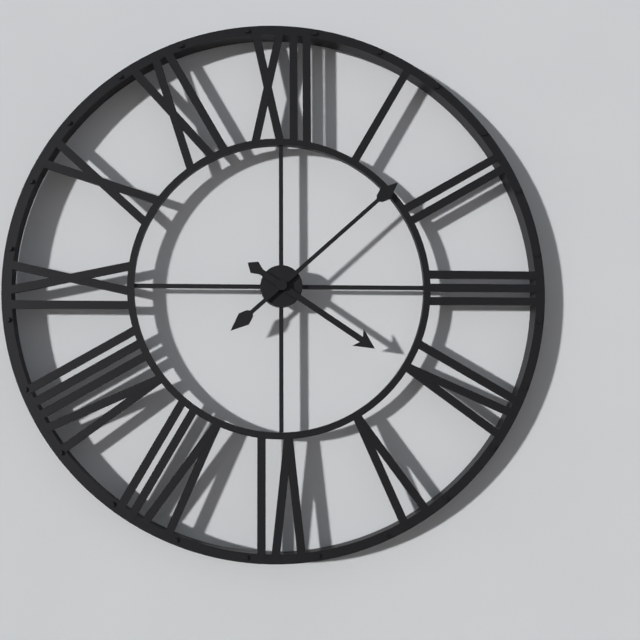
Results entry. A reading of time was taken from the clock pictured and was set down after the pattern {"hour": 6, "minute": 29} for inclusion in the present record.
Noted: {"hour": 4, "minute": 8}
